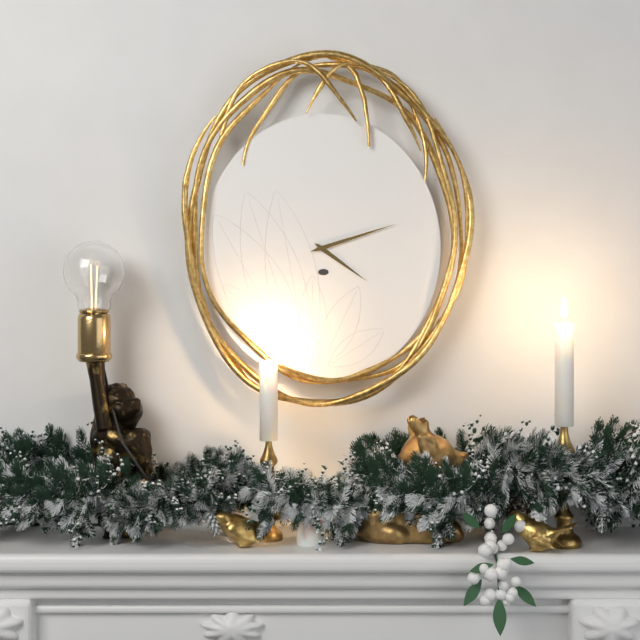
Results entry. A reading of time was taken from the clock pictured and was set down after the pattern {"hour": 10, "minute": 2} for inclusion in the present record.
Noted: {"hour": 4, "minute": 12}
